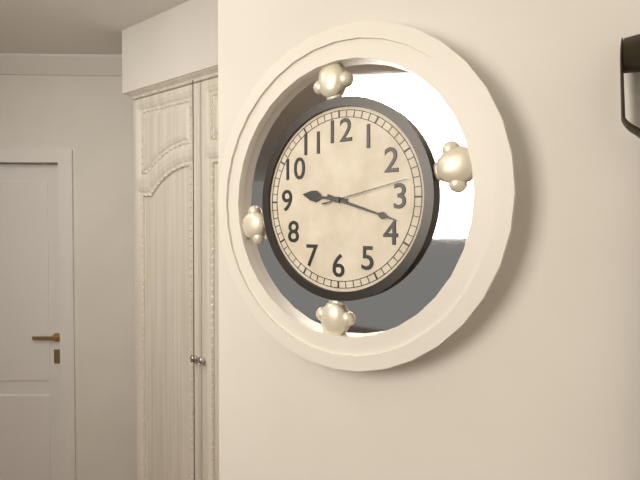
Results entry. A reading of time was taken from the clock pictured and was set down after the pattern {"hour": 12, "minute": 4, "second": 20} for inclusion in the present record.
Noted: {"hour": 9, "minute": 18, "second": 13}
